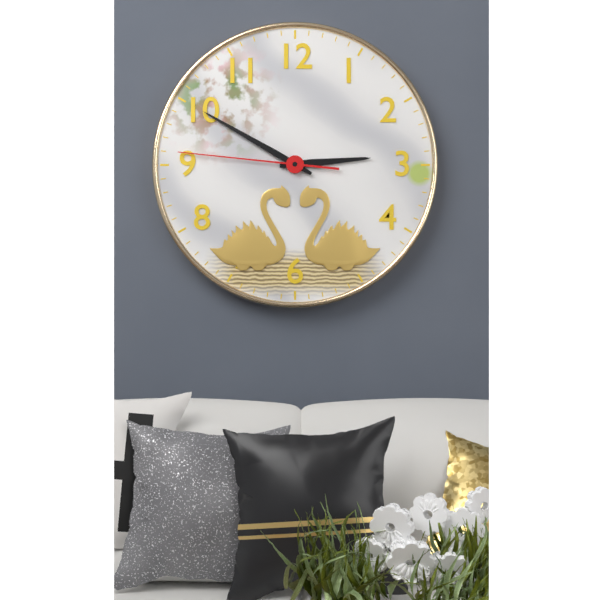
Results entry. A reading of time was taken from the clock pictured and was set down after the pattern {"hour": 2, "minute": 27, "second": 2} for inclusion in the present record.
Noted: {"hour": 2, "minute": 50, "second": 46}
